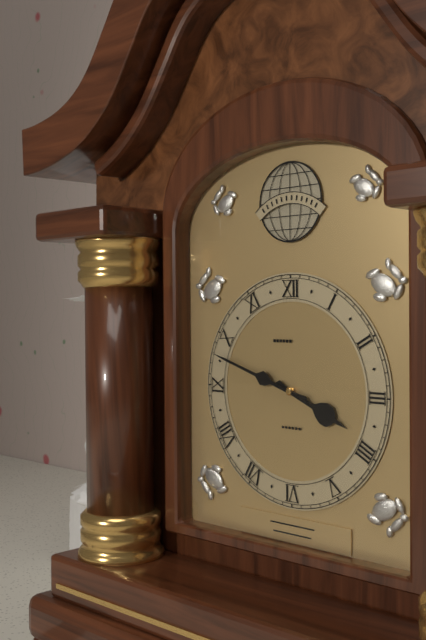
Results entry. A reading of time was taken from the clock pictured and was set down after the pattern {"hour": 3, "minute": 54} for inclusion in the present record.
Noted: {"hour": 3, "minute": 48}
